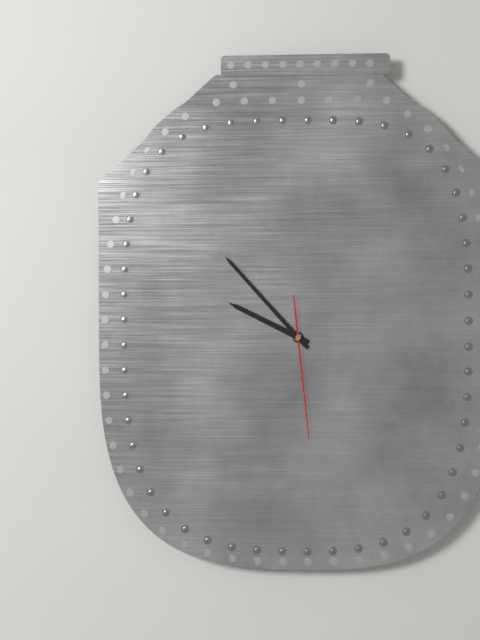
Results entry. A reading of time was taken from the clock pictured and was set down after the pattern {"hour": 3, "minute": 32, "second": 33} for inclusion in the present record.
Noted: {"hour": 9, "minute": 53, "second": 29}
